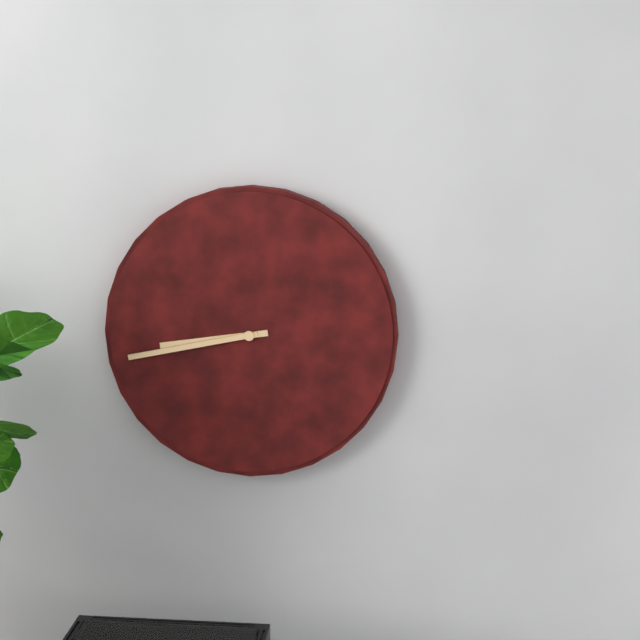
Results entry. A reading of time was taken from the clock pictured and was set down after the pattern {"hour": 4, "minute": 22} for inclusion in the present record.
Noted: {"hour": 8, "minute": 43}
